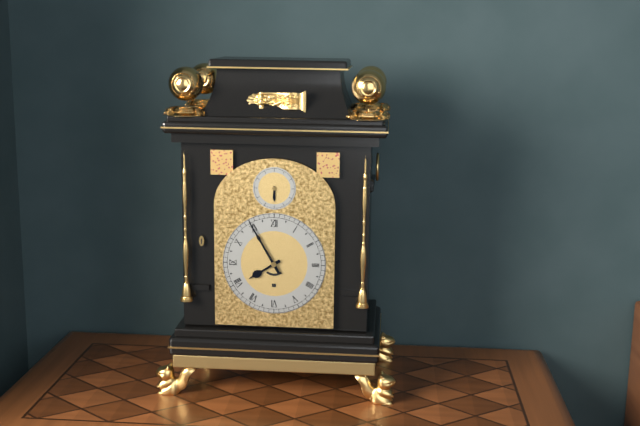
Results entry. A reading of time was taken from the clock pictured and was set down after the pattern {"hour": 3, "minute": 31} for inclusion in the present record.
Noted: {"hour": 7, "minute": 55}
